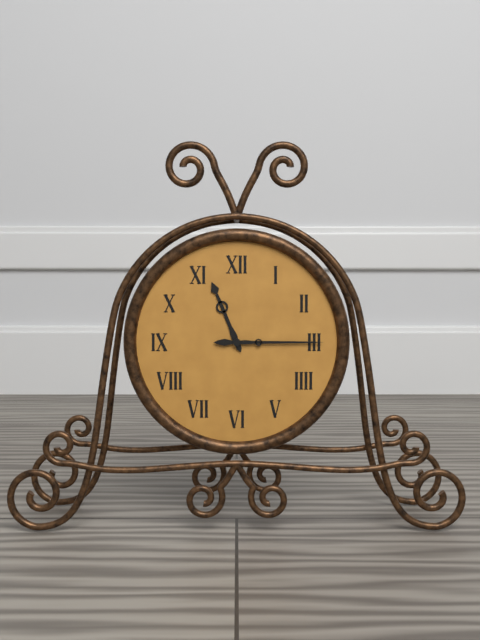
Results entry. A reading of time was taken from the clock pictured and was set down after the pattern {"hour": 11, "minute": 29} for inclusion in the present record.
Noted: {"hour": 11, "minute": 15}
